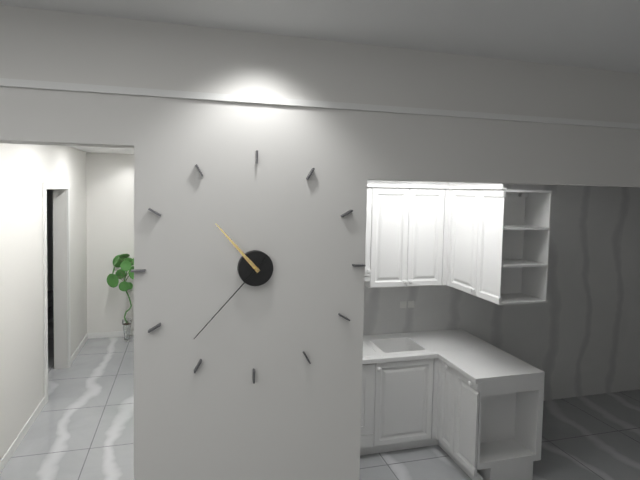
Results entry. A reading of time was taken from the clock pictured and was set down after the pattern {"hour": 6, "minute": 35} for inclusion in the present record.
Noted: {"hour": 10, "minute": 37}
